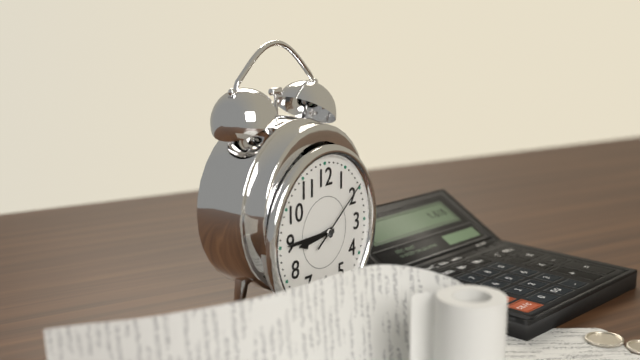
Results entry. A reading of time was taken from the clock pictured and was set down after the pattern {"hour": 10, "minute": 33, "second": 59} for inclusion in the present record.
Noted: {"hour": 8, "minute": 45, "second": 9}
